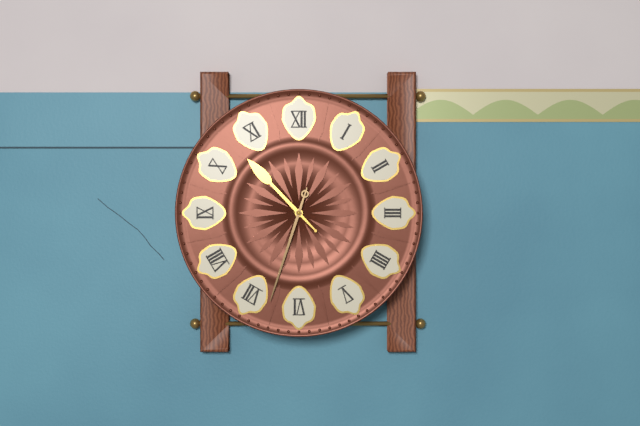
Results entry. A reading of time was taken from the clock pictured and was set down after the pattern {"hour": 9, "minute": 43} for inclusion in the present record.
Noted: {"hour": 10, "minute": 33}
